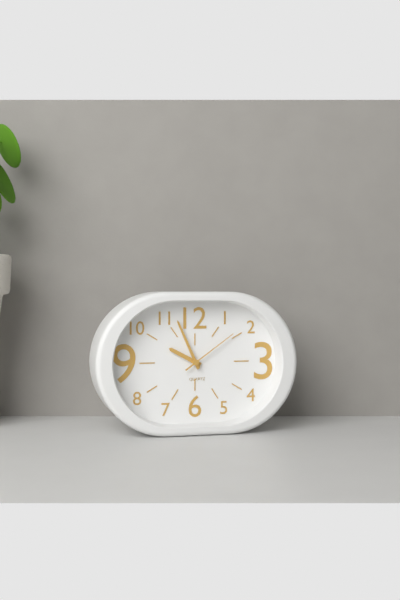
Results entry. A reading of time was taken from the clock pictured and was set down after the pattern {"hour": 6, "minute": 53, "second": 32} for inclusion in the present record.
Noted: {"hour": 9, "minute": 56, "second": 9}
